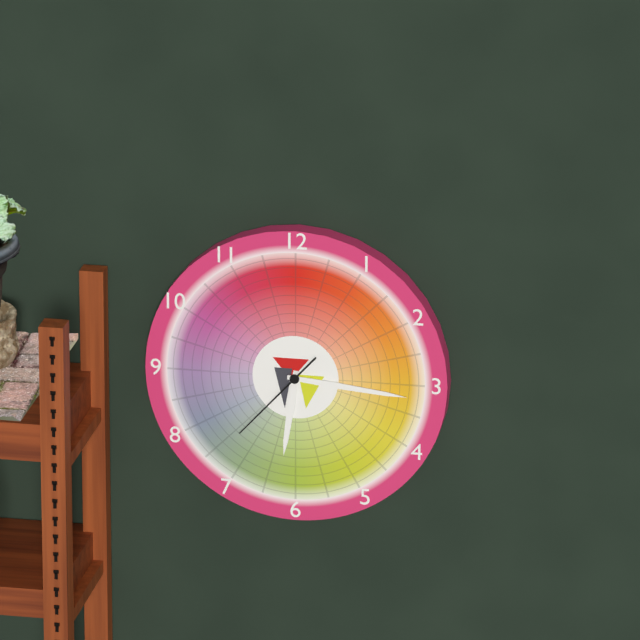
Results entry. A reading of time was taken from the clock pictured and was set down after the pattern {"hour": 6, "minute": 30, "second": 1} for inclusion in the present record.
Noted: {"hour": 6, "minute": 16, "second": 37}
